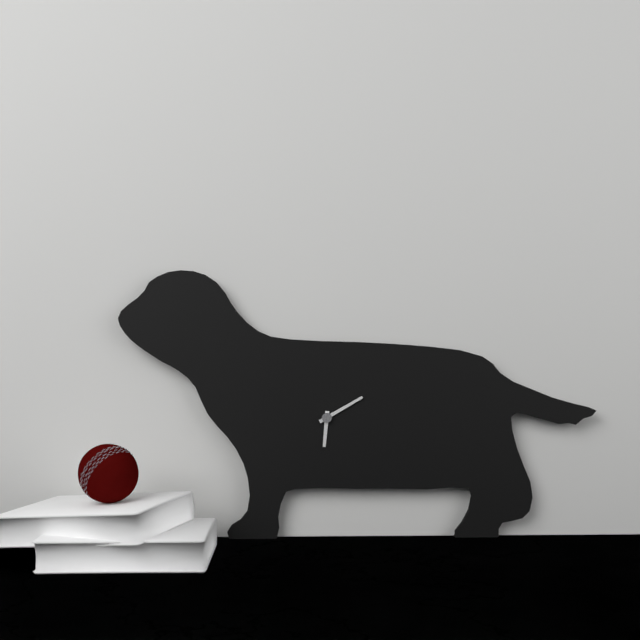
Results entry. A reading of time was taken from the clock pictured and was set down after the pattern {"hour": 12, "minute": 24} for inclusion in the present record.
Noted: {"hour": 6, "minute": 10}
